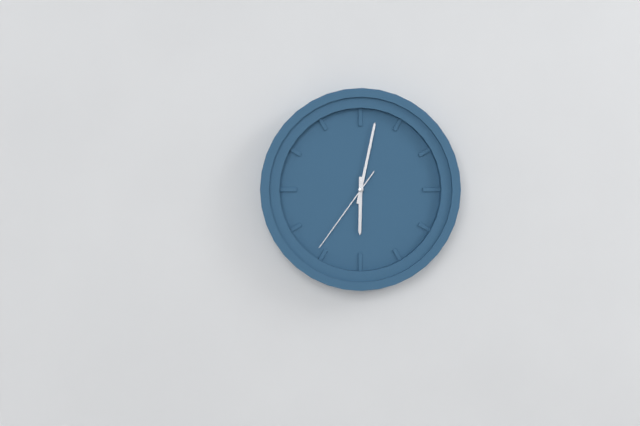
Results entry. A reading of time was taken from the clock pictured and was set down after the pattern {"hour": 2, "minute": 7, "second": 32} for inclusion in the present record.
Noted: {"hour": 6, "minute": 2, "second": 36}
